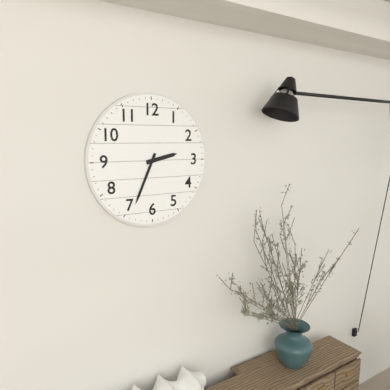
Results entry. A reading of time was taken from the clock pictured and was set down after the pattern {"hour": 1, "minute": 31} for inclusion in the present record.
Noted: {"hour": 2, "minute": 34}
